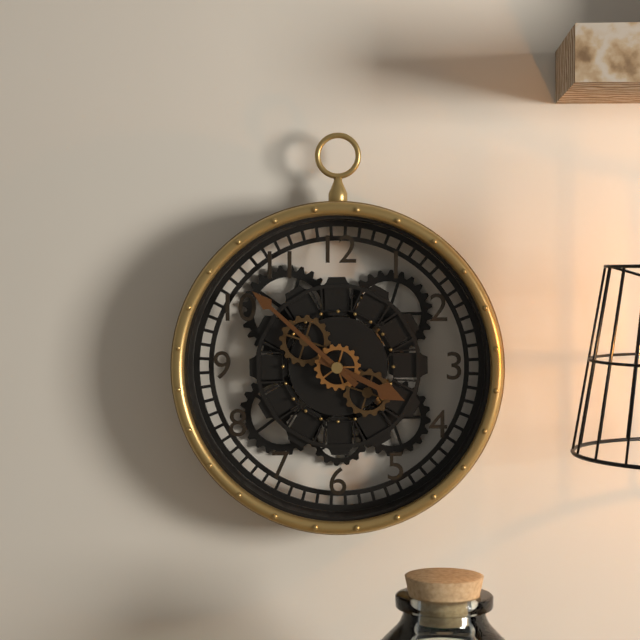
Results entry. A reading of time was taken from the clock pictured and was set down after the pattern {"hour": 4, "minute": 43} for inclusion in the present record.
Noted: {"hour": 3, "minute": 52}
